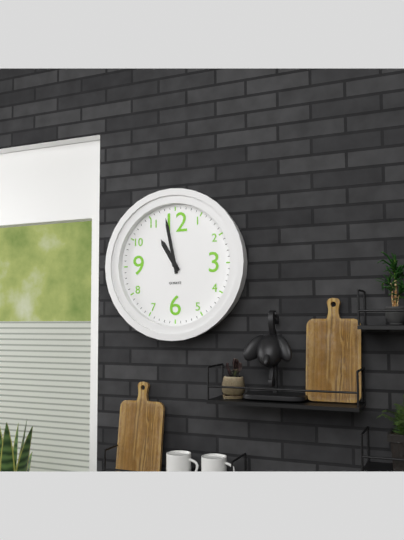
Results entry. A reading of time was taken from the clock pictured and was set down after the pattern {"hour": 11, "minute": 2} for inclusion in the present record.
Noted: {"hour": 10, "minute": 58}
